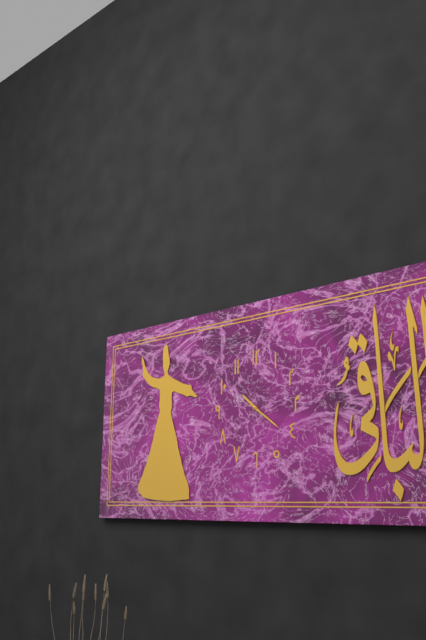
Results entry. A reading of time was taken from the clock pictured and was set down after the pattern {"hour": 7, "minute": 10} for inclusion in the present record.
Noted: {"hour": 10, "minute": 21}
